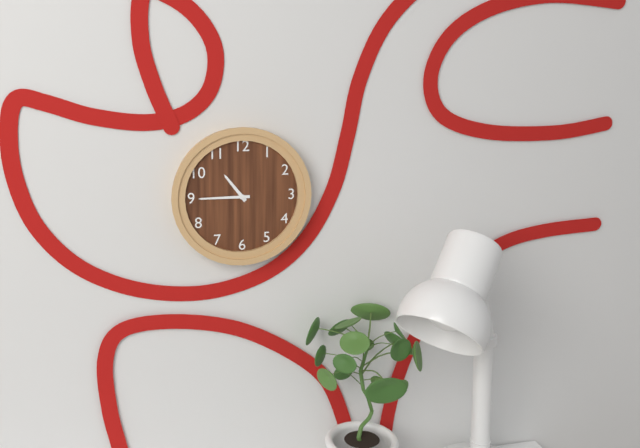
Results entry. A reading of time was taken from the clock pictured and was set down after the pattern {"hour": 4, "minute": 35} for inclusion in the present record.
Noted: {"hour": 10, "minute": 45}
